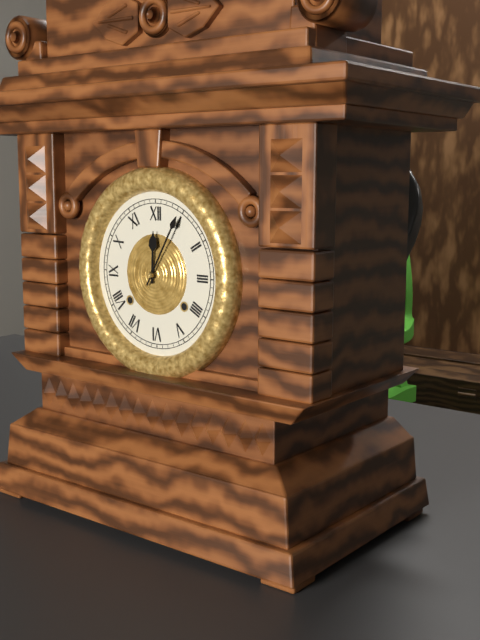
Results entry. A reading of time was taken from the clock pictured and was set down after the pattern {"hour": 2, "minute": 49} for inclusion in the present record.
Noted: {"hour": 12, "minute": 5}
